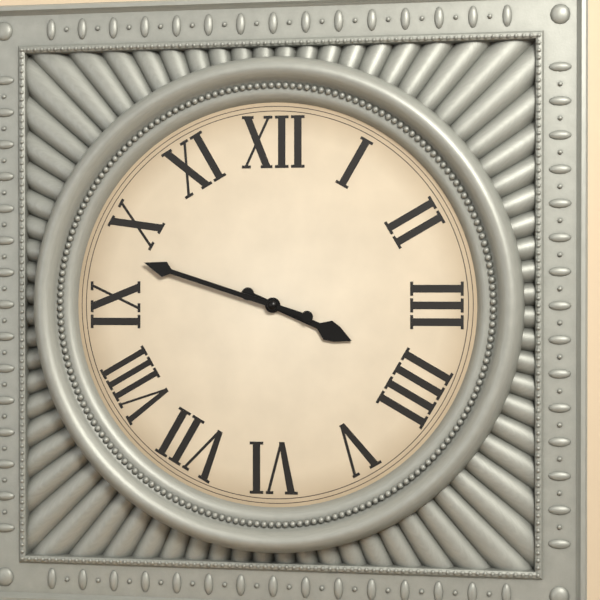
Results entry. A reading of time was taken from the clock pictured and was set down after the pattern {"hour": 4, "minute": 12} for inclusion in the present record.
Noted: {"hour": 3, "minute": 48}
